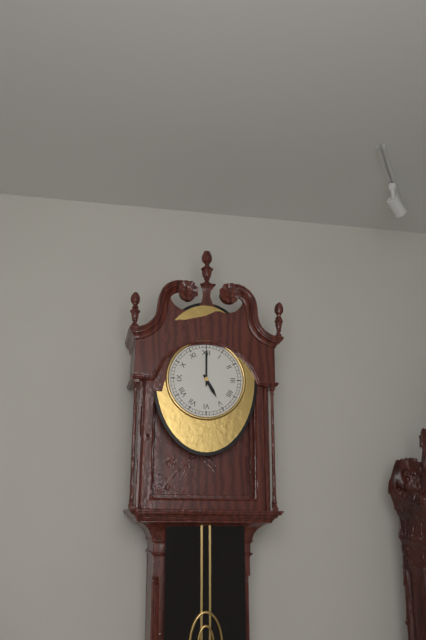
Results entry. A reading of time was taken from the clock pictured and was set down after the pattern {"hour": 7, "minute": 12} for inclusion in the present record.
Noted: {"hour": 5, "minute": 0}
